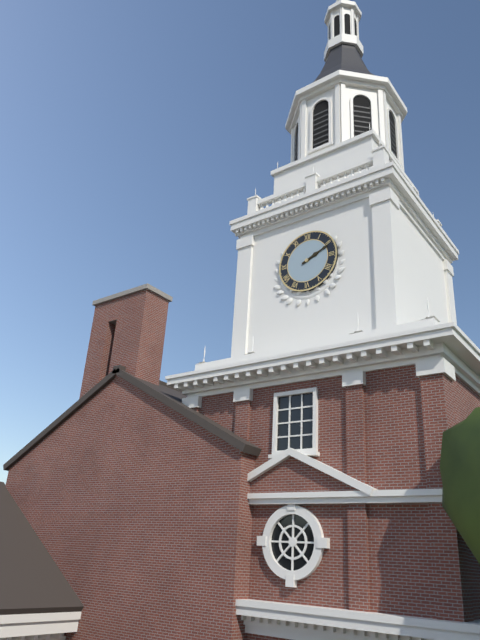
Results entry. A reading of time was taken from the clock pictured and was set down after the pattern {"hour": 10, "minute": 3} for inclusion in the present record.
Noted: {"hour": 2, "minute": 11}
